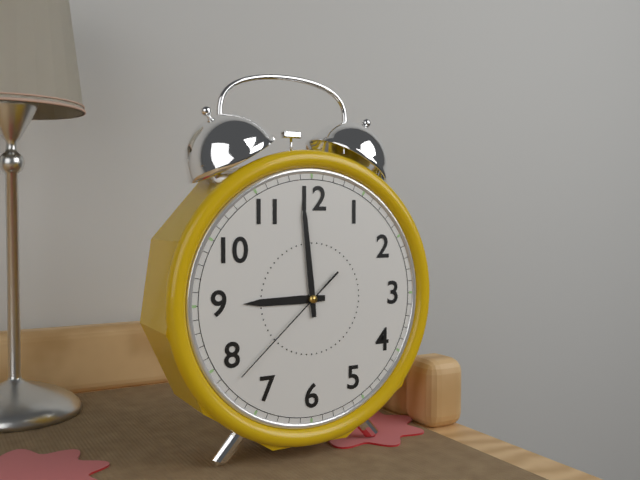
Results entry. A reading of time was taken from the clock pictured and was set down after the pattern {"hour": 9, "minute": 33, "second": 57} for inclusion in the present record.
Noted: {"hour": 8, "minute": 59, "second": 38}
